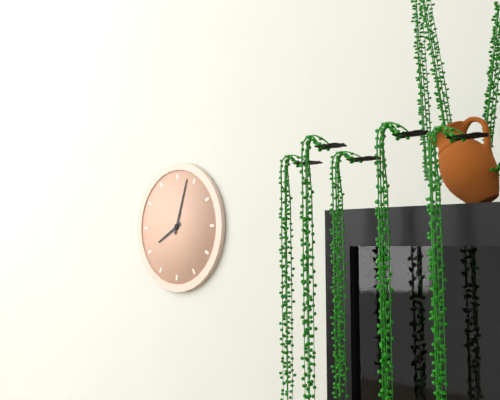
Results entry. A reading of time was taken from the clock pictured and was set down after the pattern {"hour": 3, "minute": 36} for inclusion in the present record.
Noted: {"hour": 8, "minute": 3}
